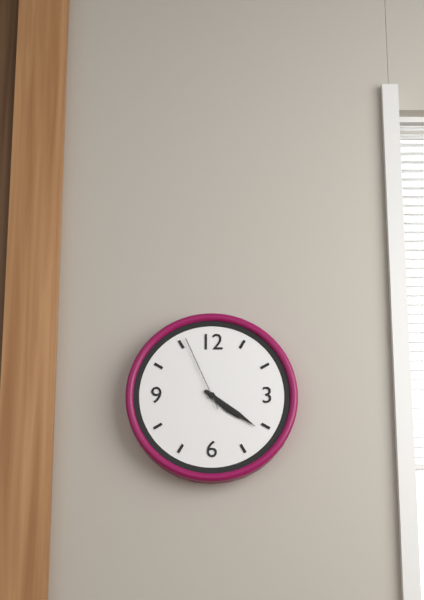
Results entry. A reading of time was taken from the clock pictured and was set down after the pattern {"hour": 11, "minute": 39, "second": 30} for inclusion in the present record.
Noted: {"hour": 4, "minute": 21, "second": 56}
